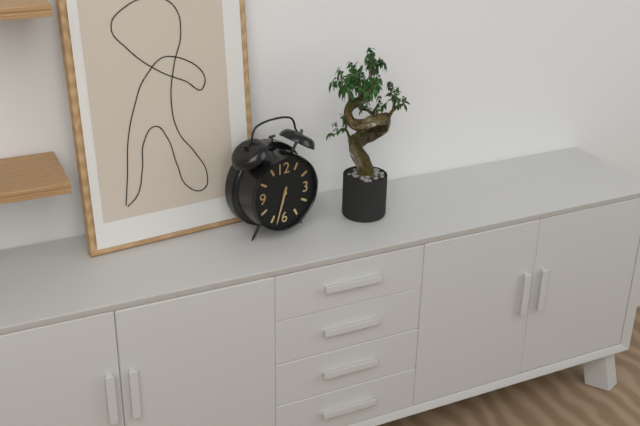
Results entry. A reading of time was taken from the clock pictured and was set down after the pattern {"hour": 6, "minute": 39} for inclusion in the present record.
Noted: {"hour": 6, "minute": 33}
